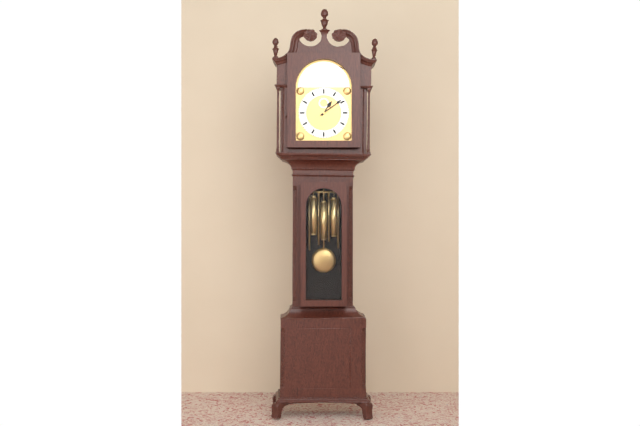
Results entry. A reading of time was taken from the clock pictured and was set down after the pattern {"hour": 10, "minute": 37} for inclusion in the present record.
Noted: {"hour": 1, "minute": 9}
